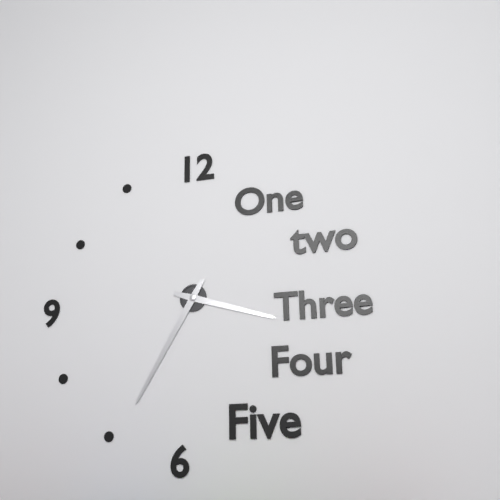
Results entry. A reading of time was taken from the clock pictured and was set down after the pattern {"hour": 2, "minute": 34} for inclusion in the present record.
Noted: {"hour": 3, "minute": 35}
